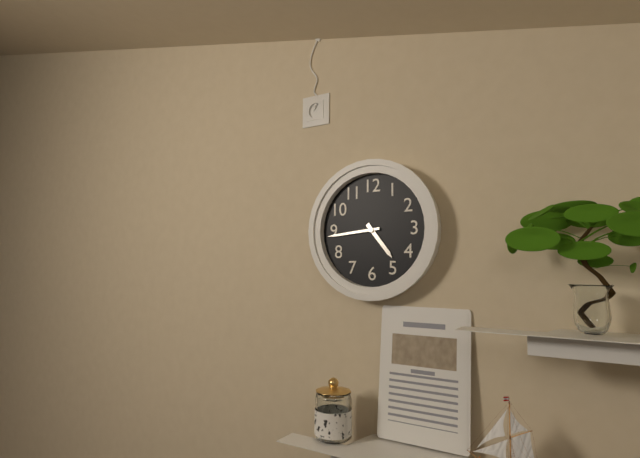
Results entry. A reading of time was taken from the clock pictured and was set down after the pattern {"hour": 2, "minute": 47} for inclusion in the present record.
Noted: {"hour": 4, "minute": 44}
